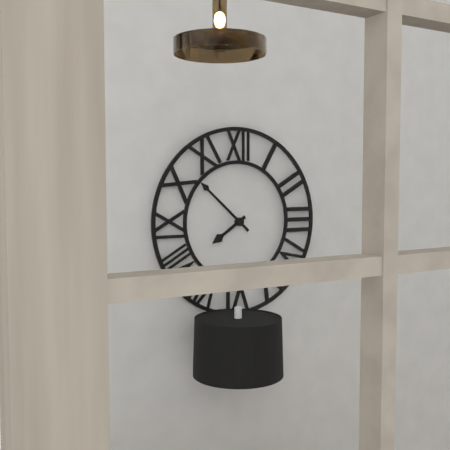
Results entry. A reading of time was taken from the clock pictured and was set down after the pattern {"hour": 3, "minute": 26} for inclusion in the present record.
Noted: {"hour": 7, "minute": 52}
